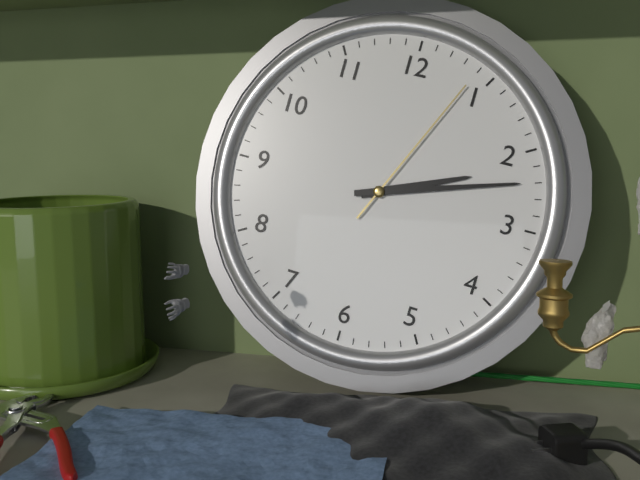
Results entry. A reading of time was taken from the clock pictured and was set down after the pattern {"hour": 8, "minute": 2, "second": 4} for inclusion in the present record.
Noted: {"hour": 2, "minute": 12, "second": 4}
